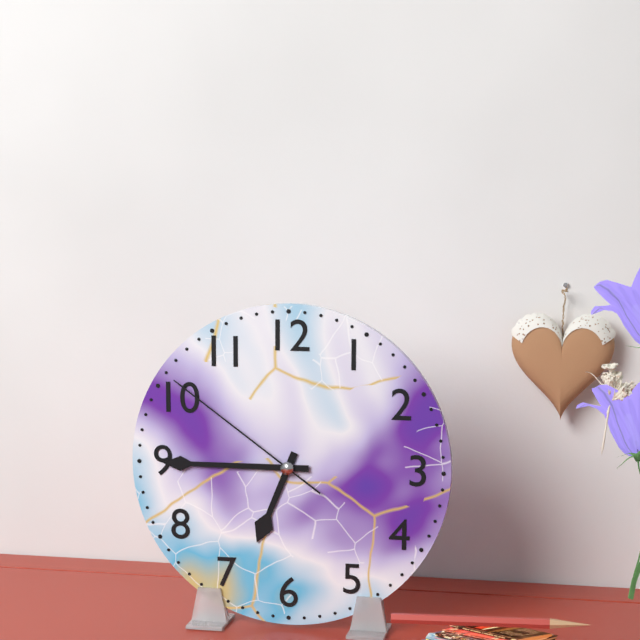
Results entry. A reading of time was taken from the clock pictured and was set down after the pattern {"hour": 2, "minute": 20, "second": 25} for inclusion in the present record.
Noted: {"hour": 6, "minute": 45, "second": 51}
